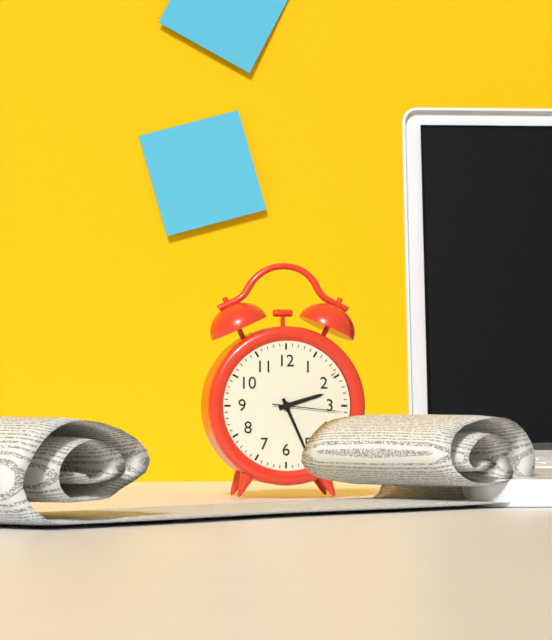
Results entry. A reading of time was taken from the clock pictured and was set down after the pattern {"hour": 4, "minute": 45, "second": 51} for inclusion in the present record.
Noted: {"hour": 2, "minute": 26, "second": 16}
